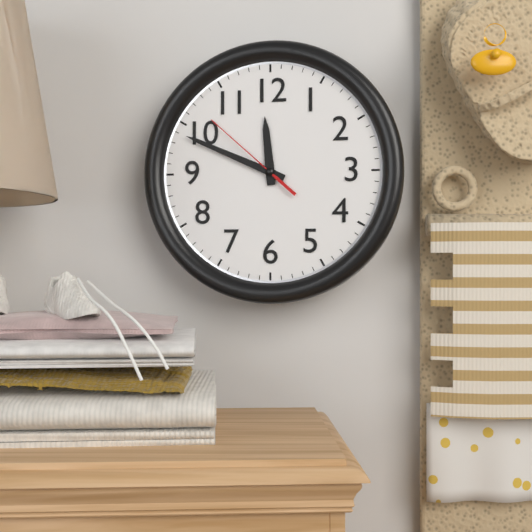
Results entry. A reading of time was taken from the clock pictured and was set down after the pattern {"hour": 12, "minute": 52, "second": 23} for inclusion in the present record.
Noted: {"hour": 11, "minute": 49, "second": 52}
